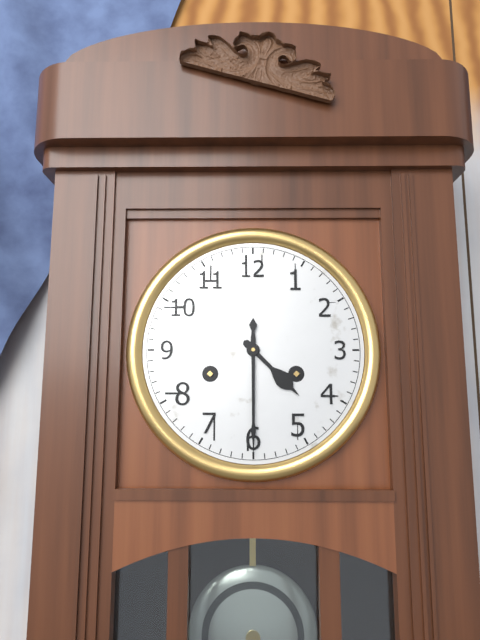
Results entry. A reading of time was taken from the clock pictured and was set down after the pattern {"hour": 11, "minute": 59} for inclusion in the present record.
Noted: {"hour": 4, "minute": 30}
